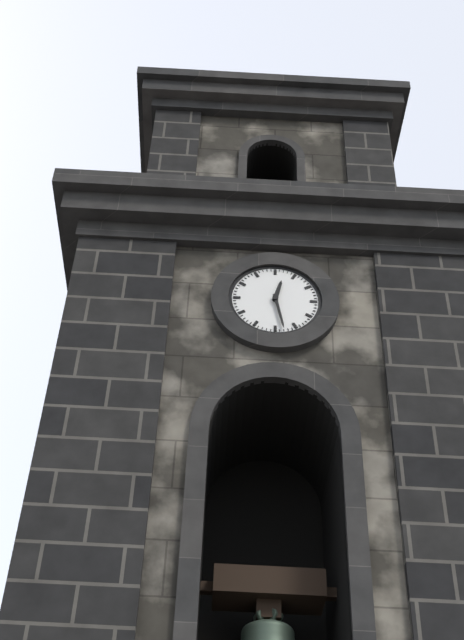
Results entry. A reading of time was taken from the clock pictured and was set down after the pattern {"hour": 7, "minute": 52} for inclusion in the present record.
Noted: {"hour": 12, "minute": 28}
